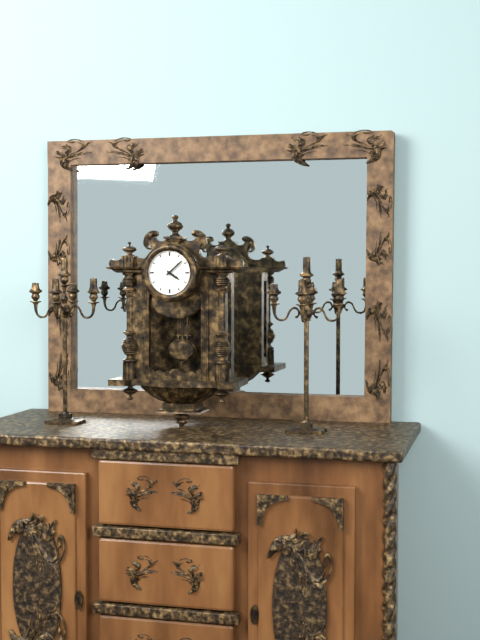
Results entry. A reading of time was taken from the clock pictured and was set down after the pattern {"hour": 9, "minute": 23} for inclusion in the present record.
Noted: {"hour": 4, "minute": 8}
